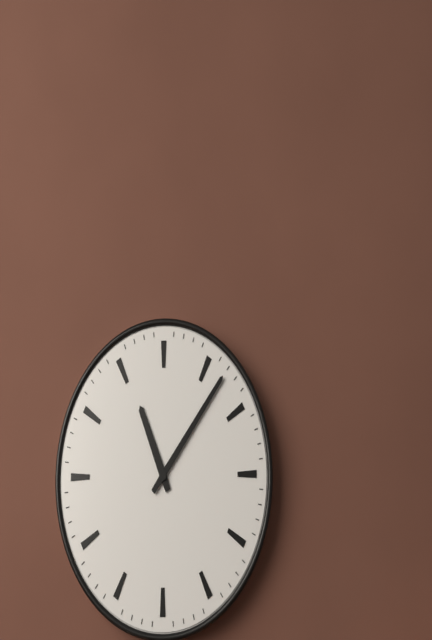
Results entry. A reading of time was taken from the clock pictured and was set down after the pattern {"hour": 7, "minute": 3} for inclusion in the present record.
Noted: {"hour": 11, "minute": 7}
